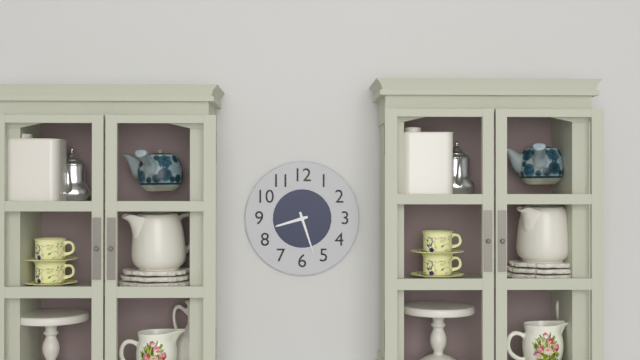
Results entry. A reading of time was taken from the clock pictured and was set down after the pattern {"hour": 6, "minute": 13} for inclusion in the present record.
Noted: {"hour": 8, "minute": 27}
